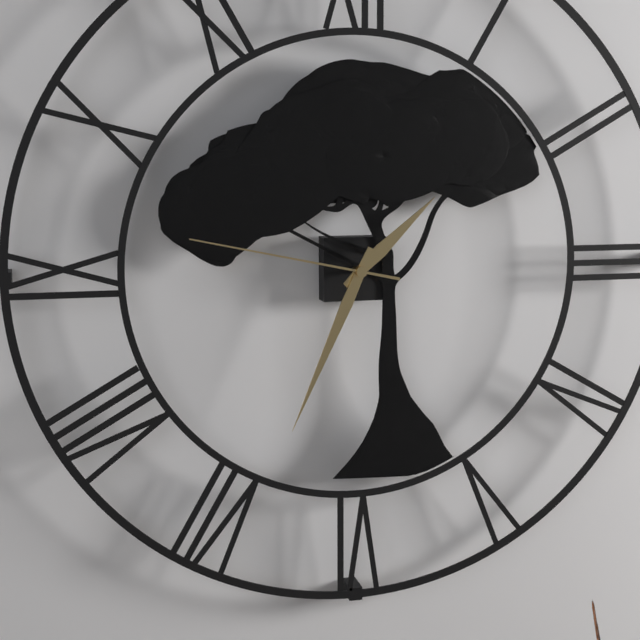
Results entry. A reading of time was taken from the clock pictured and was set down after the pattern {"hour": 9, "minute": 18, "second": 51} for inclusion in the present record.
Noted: {"hour": 1, "minute": 34, "second": 47}
